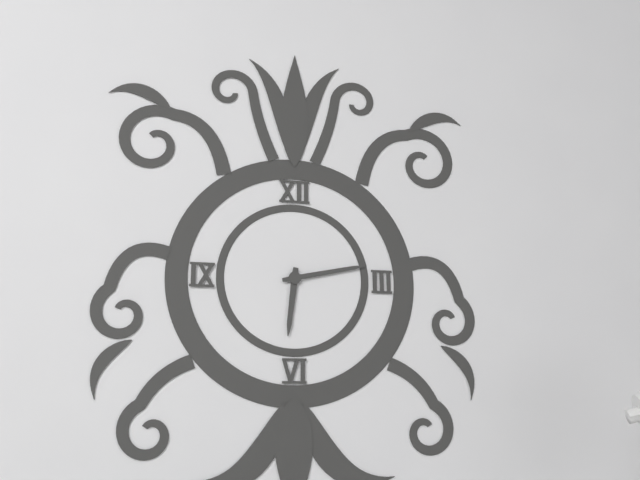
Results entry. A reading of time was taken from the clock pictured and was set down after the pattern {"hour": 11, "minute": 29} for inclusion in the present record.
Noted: {"hour": 6, "minute": 13}
